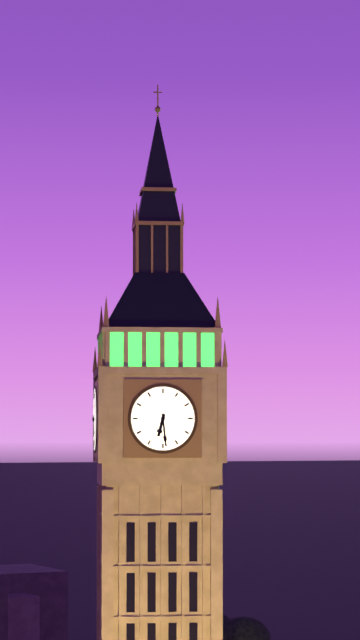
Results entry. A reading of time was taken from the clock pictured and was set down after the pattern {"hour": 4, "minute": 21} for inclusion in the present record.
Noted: {"hour": 6, "minute": 29}
